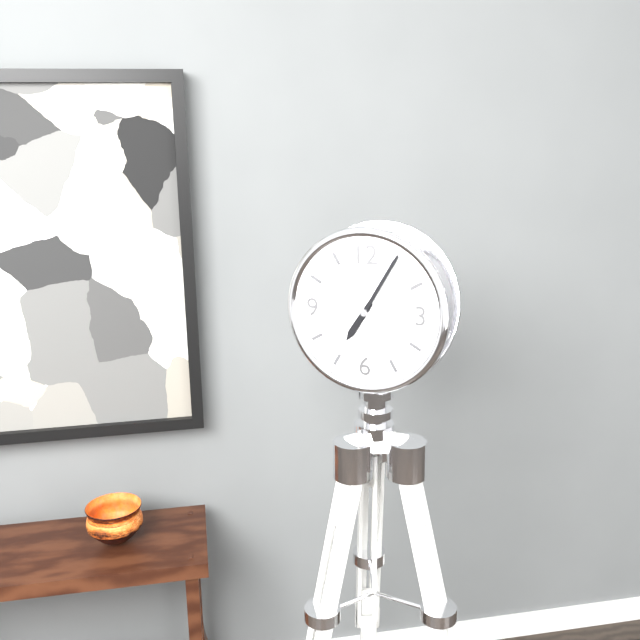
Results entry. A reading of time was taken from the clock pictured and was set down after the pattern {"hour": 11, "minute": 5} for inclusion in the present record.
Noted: {"hour": 7, "minute": 5}
